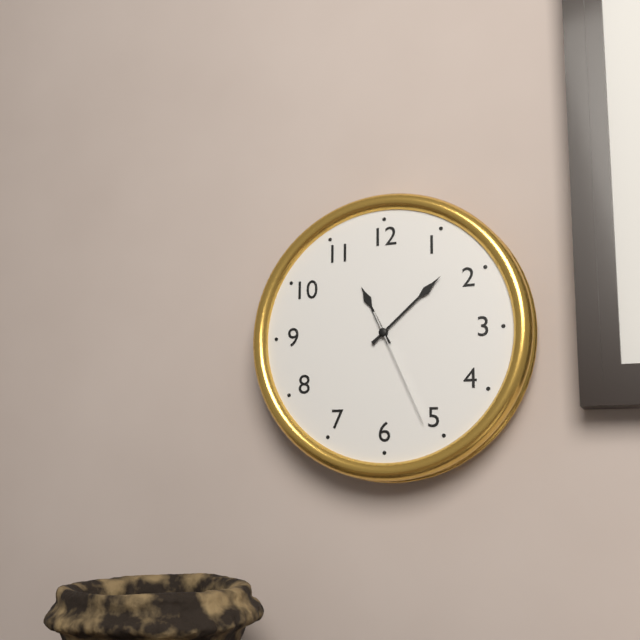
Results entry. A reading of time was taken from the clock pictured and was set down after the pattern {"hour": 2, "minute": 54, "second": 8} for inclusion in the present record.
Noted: {"hour": 11, "minute": 8, "second": 26}
